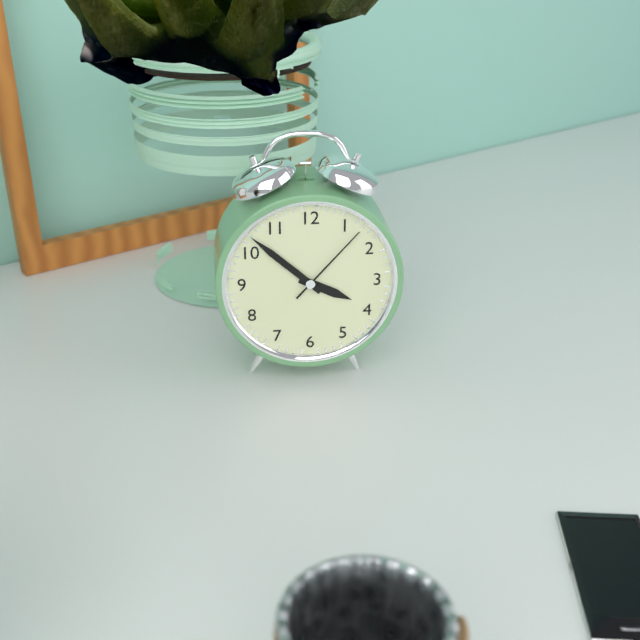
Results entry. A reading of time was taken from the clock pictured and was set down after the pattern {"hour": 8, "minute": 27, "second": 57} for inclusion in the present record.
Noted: {"hour": 3, "minute": 52, "second": 7}
